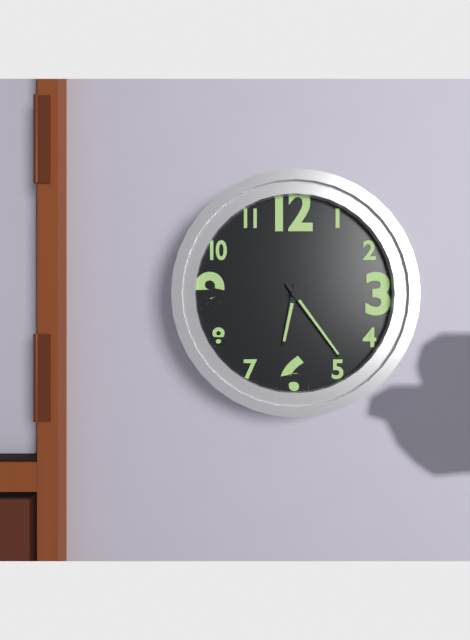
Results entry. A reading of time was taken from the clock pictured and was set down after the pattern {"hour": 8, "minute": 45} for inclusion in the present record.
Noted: {"hour": 6, "minute": 24}
